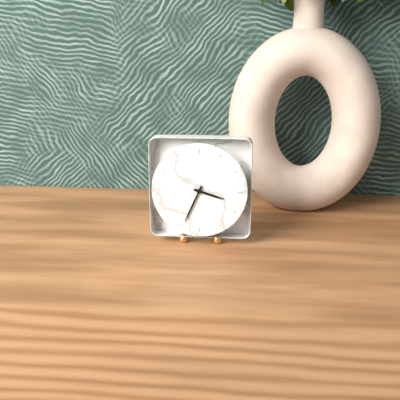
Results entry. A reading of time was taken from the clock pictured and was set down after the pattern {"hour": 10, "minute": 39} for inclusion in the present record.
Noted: {"hour": 3, "minute": 34}
